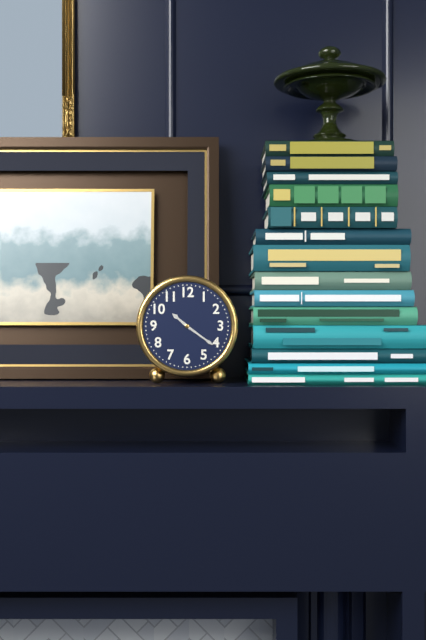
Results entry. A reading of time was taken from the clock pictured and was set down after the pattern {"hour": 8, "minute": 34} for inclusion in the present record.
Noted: {"hour": 10, "minute": 21}
